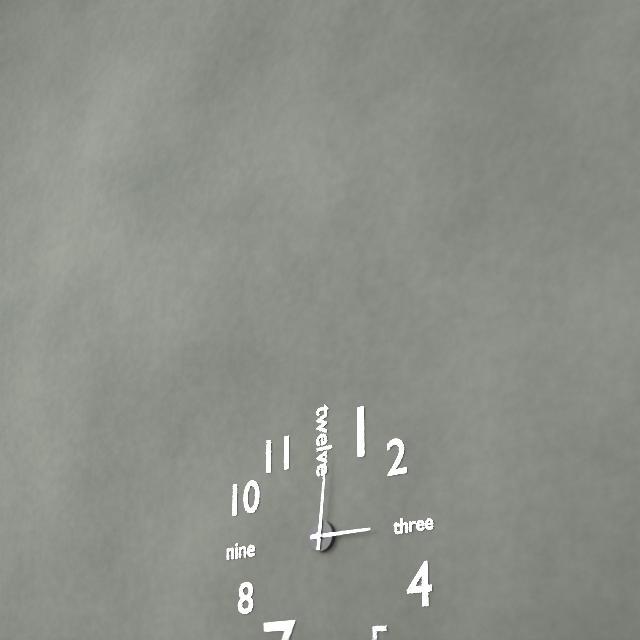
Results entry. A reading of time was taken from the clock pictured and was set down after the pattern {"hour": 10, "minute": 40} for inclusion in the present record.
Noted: {"hour": 3, "minute": 1}
